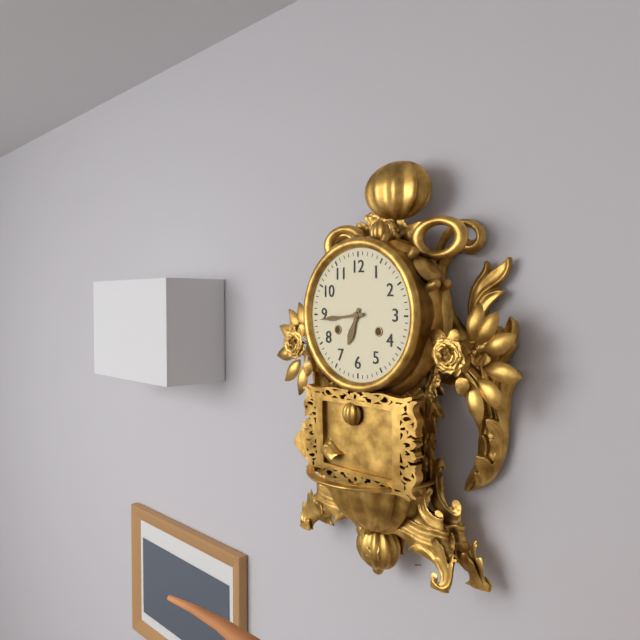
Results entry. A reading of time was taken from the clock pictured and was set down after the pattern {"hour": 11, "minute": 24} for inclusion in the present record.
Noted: {"hour": 6, "minute": 44}
